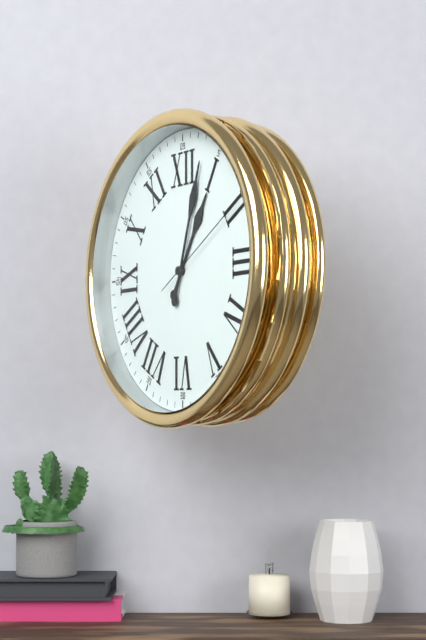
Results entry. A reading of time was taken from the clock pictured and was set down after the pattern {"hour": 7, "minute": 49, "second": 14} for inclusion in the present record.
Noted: {"hour": 1, "minute": 3, "second": 10}
